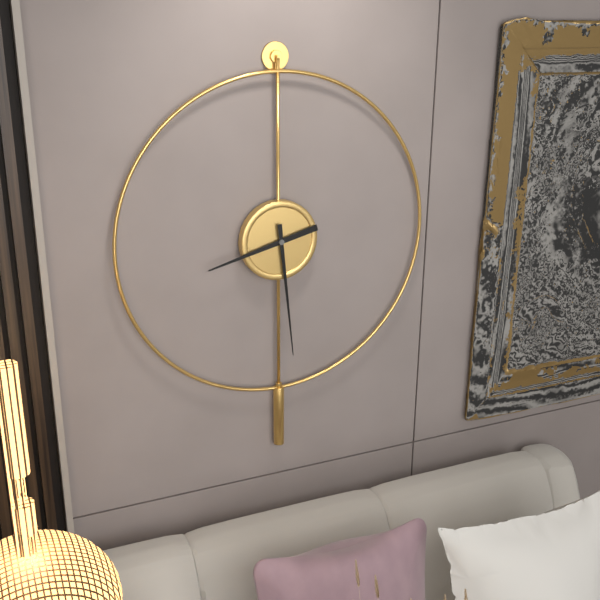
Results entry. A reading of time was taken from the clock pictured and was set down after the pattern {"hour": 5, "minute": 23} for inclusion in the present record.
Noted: {"hour": 8, "minute": 29}
